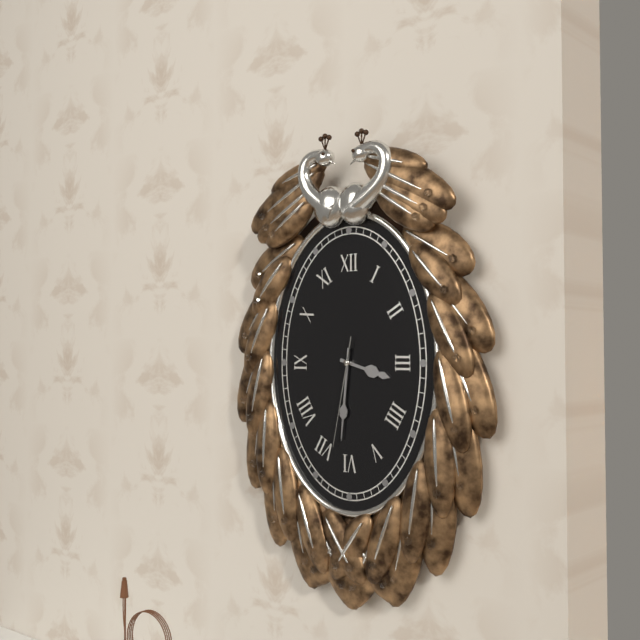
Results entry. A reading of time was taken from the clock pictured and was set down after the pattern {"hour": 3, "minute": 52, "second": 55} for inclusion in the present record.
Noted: {"hour": 3, "minute": 31, "second": 32}
